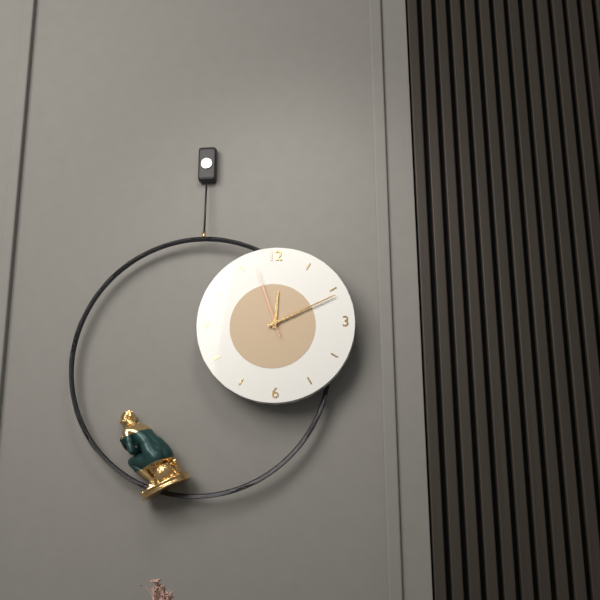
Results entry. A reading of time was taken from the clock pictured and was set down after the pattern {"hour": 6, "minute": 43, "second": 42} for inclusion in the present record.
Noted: {"hour": 12, "minute": 11, "second": 57}
